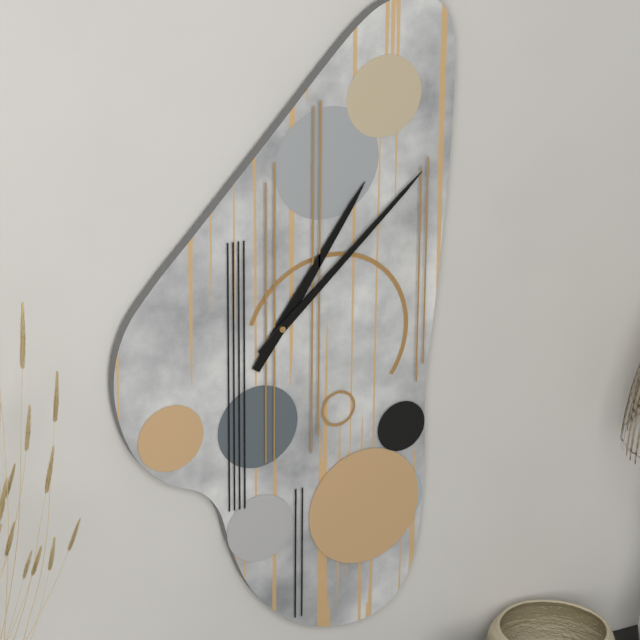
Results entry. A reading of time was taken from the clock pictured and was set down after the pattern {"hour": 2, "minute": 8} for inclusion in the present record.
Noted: {"hour": 1, "minute": 8}
